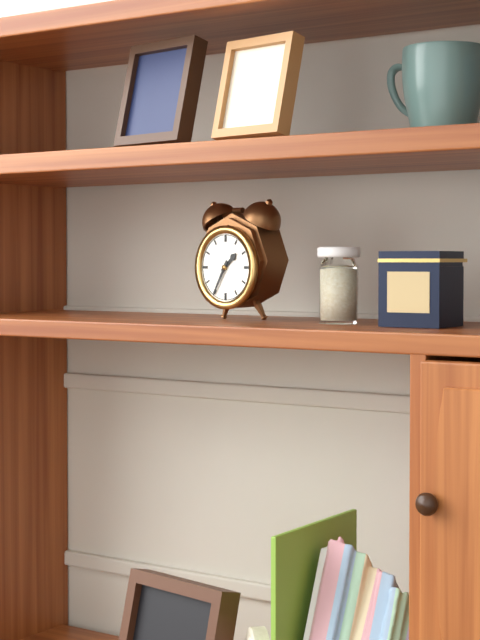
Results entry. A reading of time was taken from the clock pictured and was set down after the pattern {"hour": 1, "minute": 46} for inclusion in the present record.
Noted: {"hour": 1, "minute": 35}
